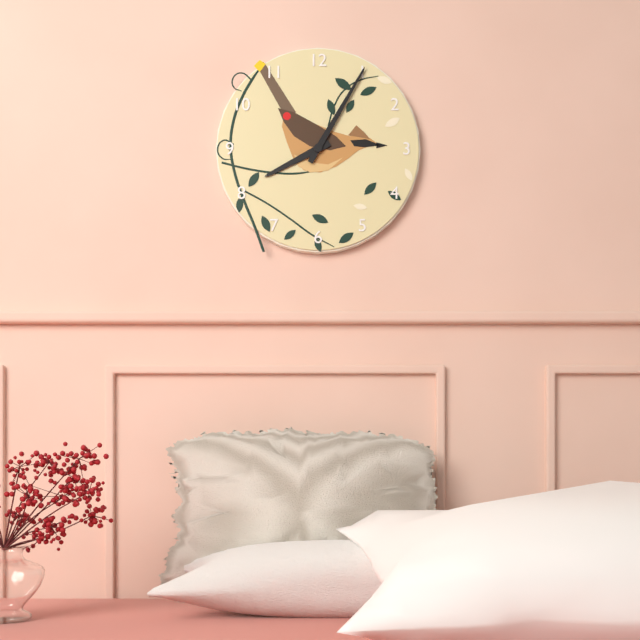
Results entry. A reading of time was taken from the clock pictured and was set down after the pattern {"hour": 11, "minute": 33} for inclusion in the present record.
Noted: {"hour": 8, "minute": 5}
